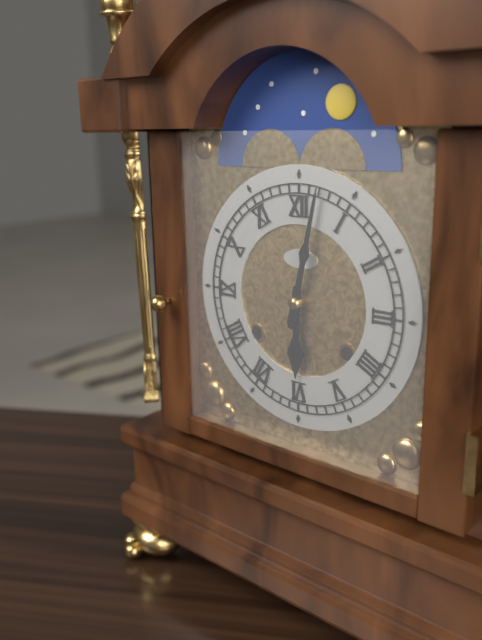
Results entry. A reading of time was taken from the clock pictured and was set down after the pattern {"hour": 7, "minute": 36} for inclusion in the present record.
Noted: {"hour": 6, "minute": 2}
